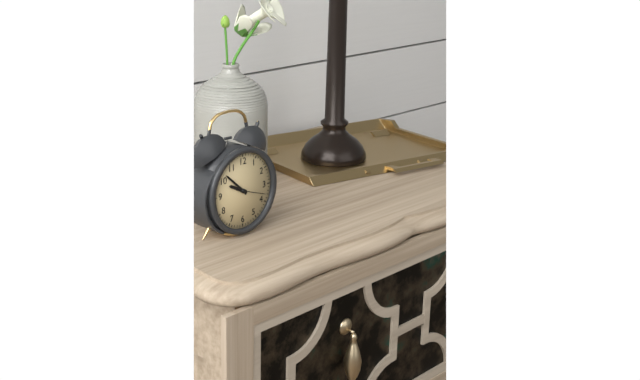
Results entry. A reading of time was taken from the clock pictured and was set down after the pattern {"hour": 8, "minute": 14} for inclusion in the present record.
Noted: {"hour": 9, "minute": 52}
